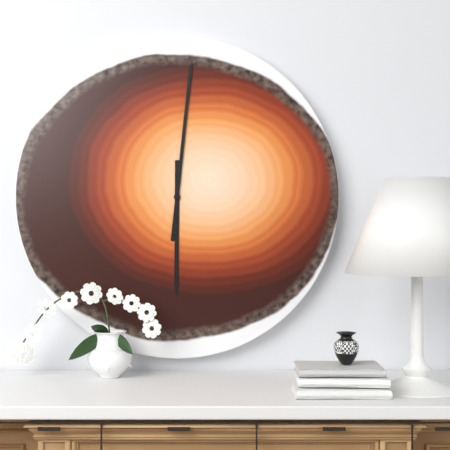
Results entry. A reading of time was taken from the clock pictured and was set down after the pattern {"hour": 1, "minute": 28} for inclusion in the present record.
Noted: {"hour": 6, "minute": 1}
